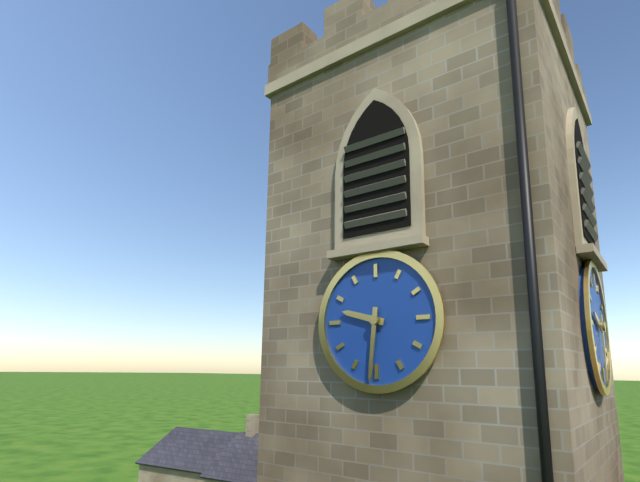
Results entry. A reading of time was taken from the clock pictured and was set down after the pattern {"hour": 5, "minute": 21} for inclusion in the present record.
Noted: {"hour": 9, "minute": 31}
